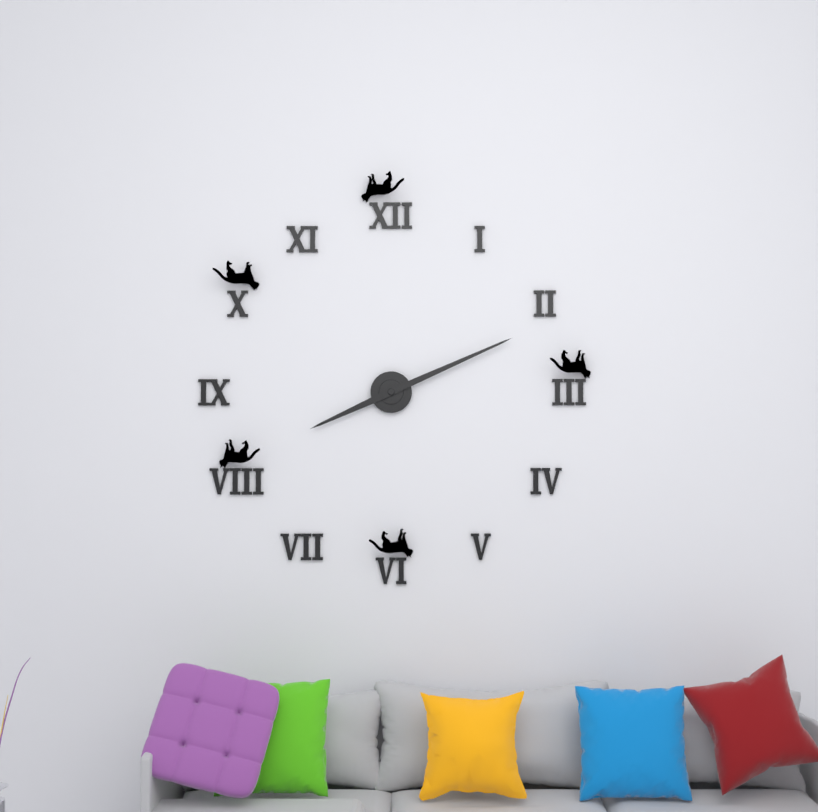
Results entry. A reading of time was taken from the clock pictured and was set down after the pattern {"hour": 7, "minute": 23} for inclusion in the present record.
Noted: {"hour": 8, "minute": 11}
